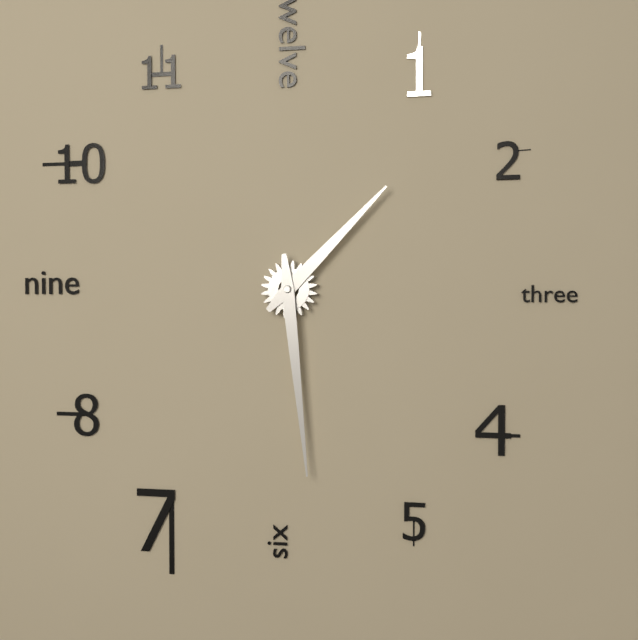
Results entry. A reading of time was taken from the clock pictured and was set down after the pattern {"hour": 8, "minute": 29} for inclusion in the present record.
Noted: {"hour": 1, "minute": 29}
